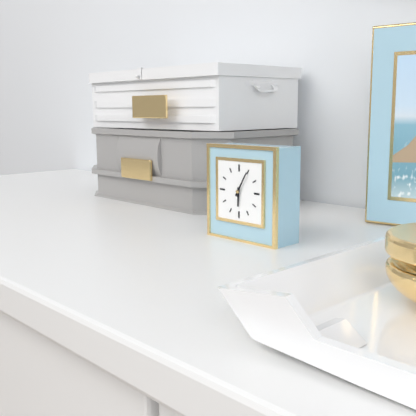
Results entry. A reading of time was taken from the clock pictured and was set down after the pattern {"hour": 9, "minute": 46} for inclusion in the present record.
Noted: {"hour": 6, "minute": 5}
